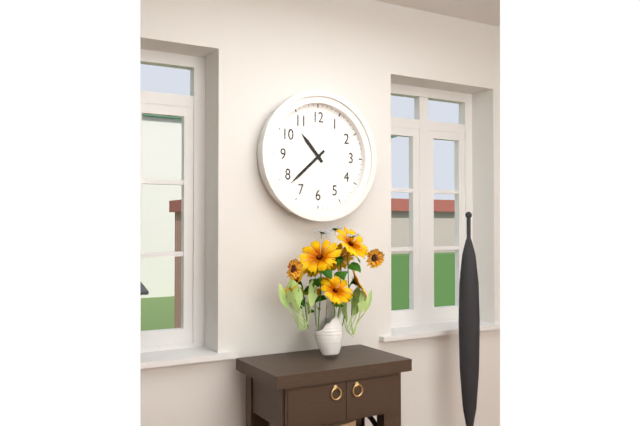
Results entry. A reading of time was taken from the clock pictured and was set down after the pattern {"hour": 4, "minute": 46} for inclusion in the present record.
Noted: {"hour": 10, "minute": 38}
